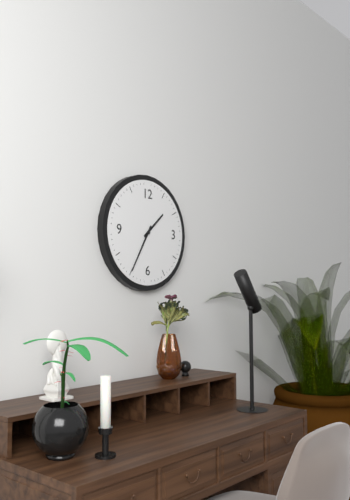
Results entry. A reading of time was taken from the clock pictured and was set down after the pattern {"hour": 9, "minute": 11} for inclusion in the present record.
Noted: {"hour": 1, "minute": 35}
